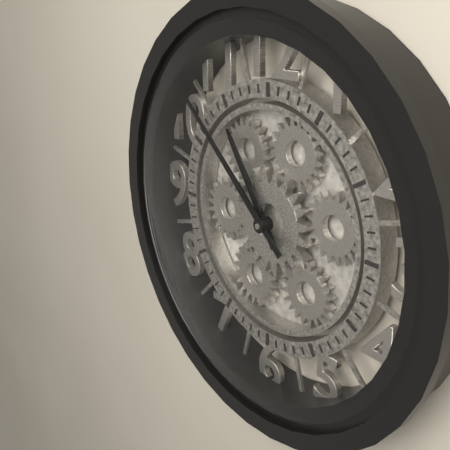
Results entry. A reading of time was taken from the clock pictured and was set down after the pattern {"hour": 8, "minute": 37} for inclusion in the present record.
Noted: {"hour": 10, "minute": 52}
